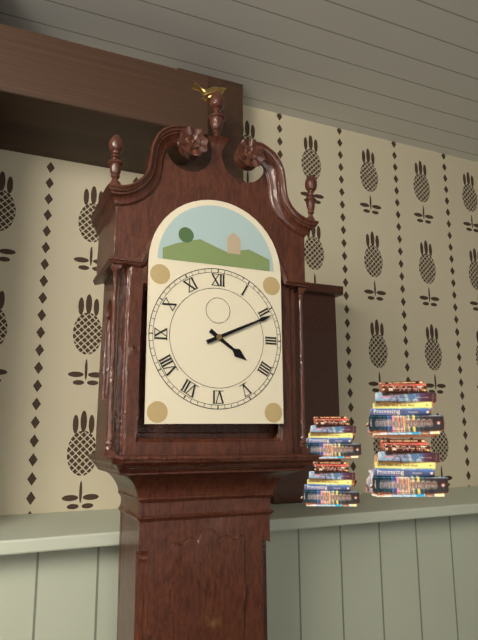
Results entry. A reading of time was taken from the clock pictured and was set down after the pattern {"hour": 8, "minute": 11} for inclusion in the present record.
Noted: {"hour": 4, "minute": 11}
